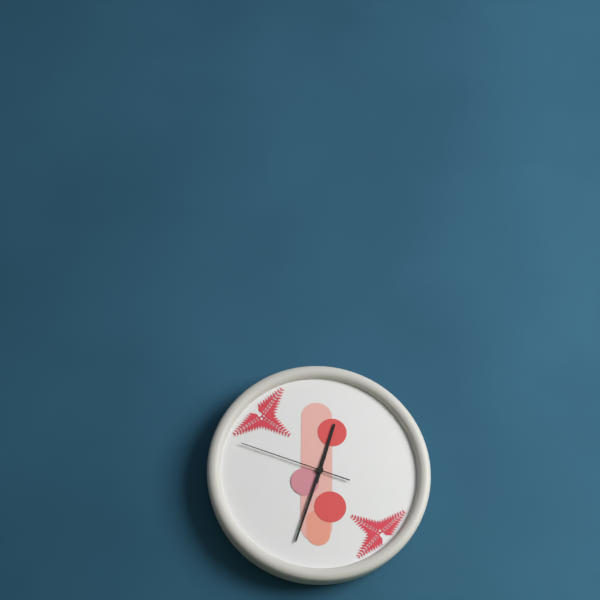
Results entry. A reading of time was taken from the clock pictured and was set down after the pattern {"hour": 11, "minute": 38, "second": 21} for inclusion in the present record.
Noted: {"hour": 12, "minute": 33, "second": 48}
